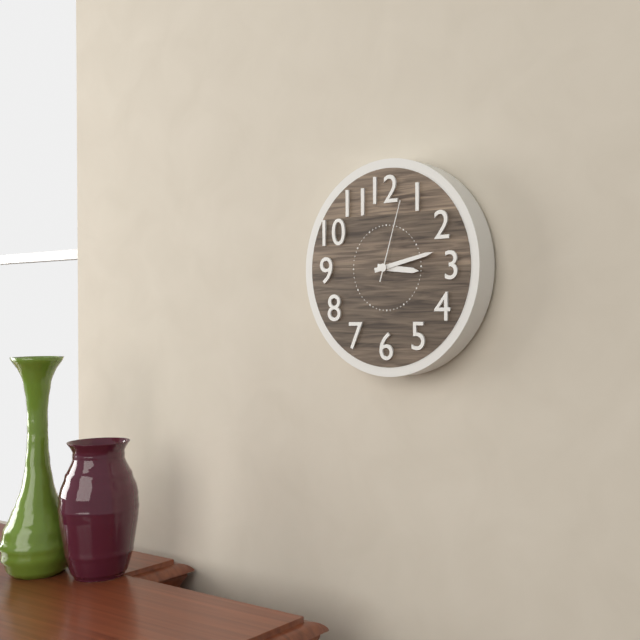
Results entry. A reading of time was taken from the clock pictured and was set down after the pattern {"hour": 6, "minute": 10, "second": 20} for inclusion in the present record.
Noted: {"hour": 3, "minute": 13, "second": 3}
